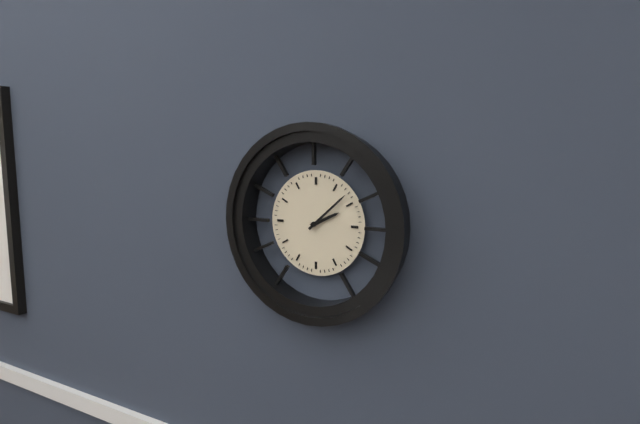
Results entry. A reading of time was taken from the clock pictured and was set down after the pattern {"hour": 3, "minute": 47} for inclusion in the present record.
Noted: {"hour": 2, "minute": 8}
